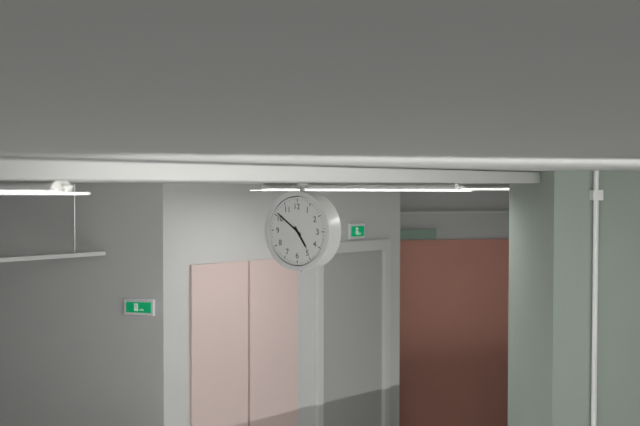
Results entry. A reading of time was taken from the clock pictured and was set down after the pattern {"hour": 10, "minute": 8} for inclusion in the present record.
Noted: {"hour": 4, "minute": 51}
